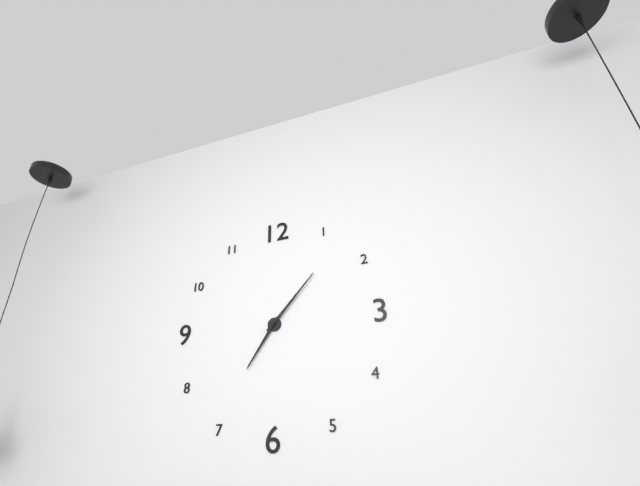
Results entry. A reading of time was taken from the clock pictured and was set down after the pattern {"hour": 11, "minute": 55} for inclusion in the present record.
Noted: {"hour": 7, "minute": 7}
